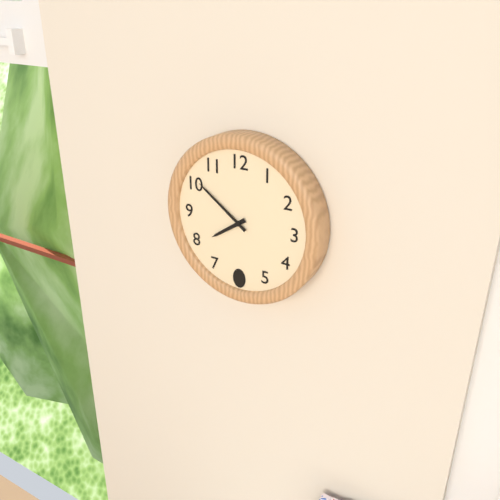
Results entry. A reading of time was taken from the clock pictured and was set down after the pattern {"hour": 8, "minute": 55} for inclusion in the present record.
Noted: {"hour": 7, "minute": 51}
